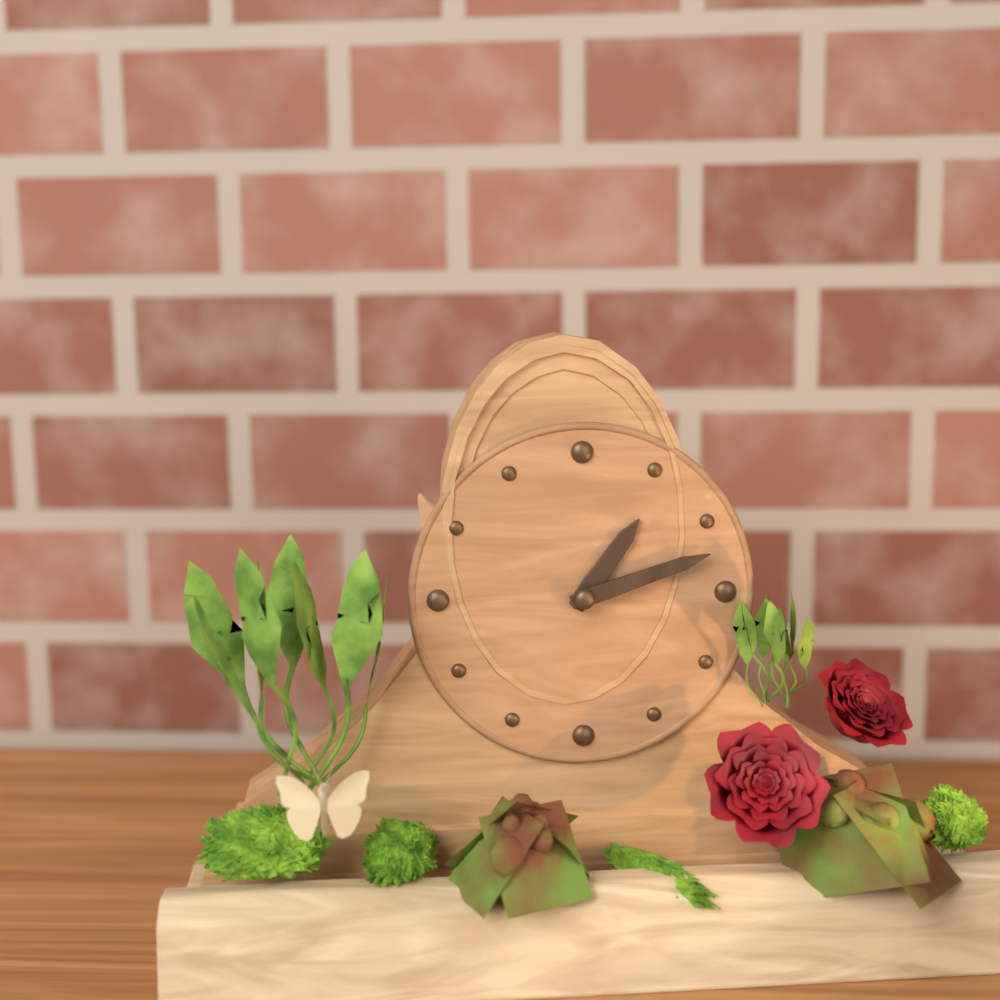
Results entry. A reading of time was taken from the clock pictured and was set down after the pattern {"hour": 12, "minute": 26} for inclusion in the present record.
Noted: {"hour": 1, "minute": 12}
